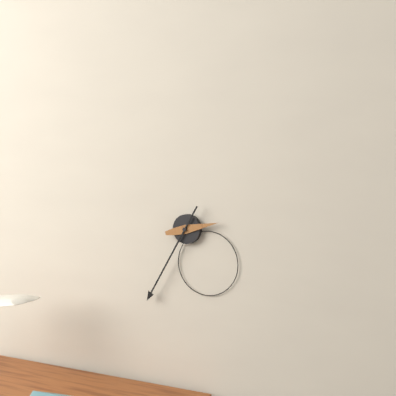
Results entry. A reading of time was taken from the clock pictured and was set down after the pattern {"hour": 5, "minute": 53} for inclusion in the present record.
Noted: {"hour": 2, "minute": 35}
